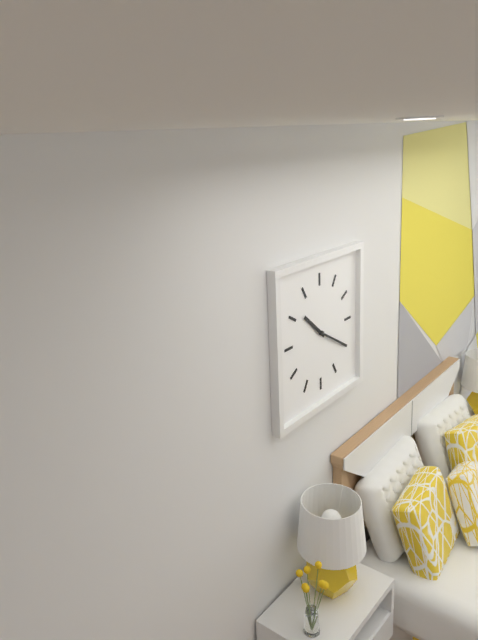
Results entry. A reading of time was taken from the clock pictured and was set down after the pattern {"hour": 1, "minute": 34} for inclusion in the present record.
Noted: {"hour": 10, "minute": 20}
